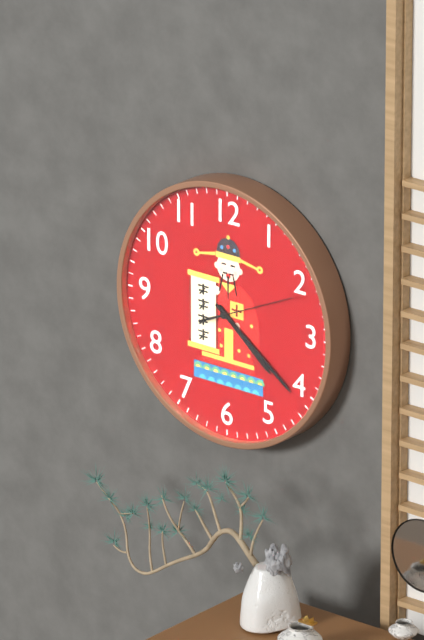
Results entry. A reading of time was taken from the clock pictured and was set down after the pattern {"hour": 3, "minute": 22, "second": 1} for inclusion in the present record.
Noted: {"hour": 4, "minute": 21, "second": 11}
